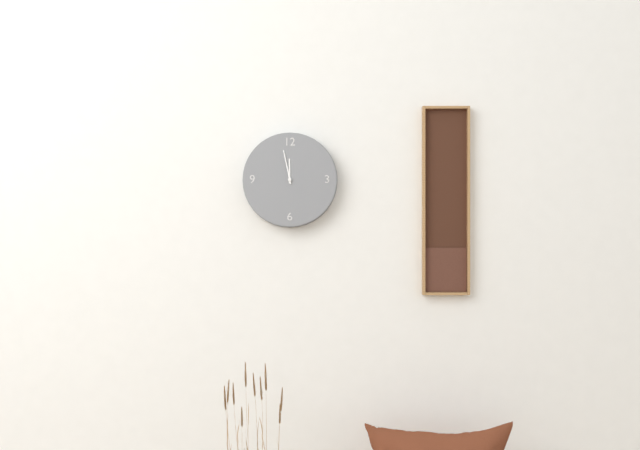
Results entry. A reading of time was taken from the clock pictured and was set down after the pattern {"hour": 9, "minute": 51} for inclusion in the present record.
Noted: {"hour": 11, "minute": 58}
